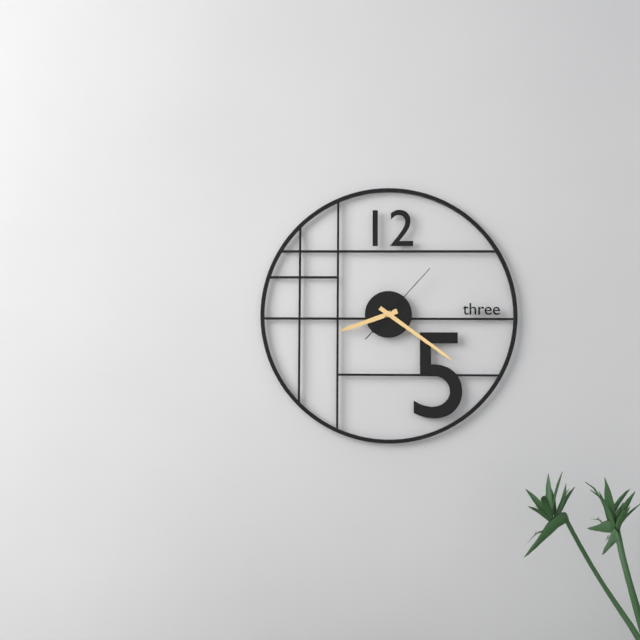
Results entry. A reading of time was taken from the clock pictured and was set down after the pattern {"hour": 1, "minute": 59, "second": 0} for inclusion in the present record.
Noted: {"hour": 8, "minute": 21, "second": 7}
